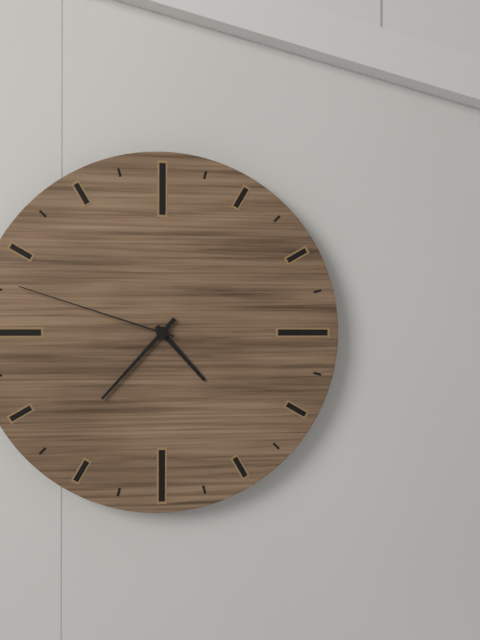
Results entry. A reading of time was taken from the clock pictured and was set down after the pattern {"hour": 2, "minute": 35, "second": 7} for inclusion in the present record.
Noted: {"hour": 4, "minute": 37, "second": 48}
